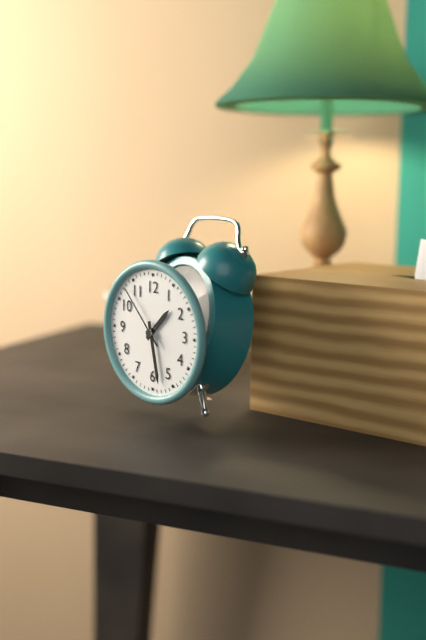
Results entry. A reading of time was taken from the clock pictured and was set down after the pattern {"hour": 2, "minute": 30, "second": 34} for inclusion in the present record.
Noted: {"hour": 1, "minute": 28, "second": 53}
